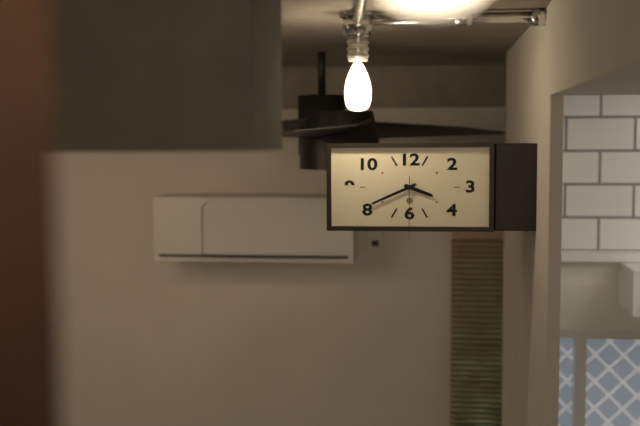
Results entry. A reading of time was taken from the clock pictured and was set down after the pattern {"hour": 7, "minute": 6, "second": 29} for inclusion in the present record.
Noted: {"hour": 3, "minute": 41, "second": 30}
